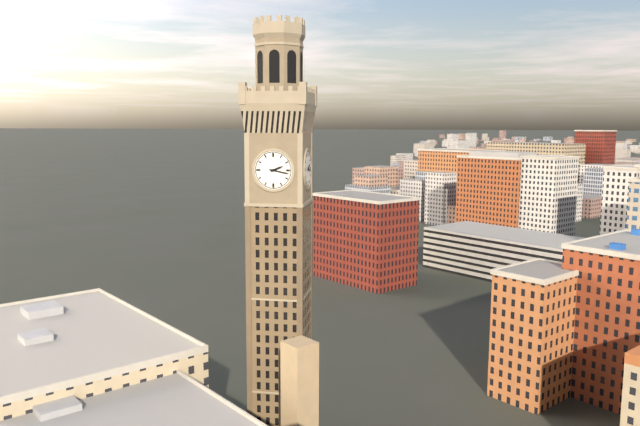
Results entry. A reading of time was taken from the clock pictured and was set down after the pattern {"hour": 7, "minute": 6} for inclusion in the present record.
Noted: {"hour": 2, "minute": 17}
